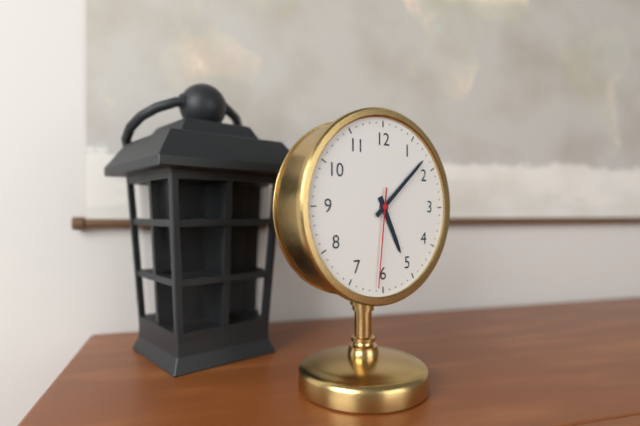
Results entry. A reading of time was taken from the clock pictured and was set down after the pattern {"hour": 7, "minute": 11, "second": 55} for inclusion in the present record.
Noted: {"hour": 5, "minute": 8, "second": 31}
